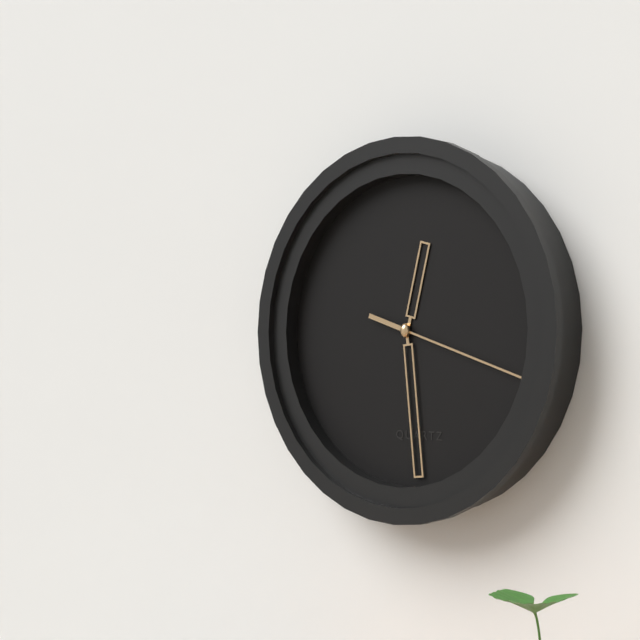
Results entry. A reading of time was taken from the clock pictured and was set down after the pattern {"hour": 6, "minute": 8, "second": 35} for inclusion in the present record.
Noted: {"hour": 12, "minute": 29, "second": 18}
